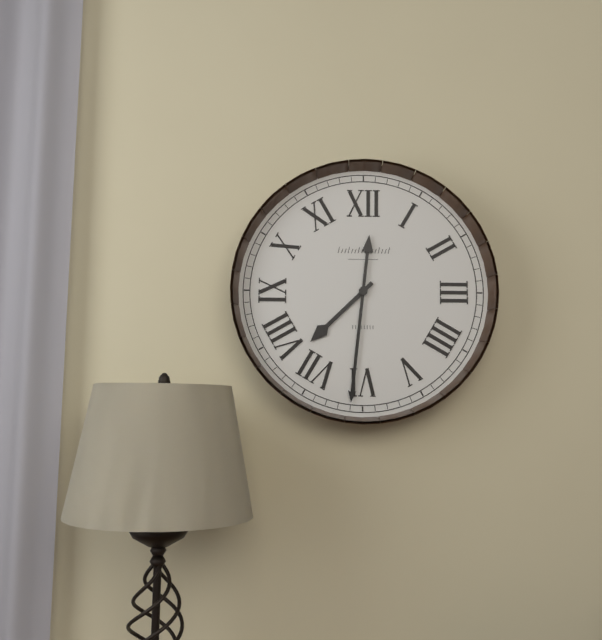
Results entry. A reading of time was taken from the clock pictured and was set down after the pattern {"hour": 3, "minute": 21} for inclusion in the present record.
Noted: {"hour": 7, "minute": 31}
